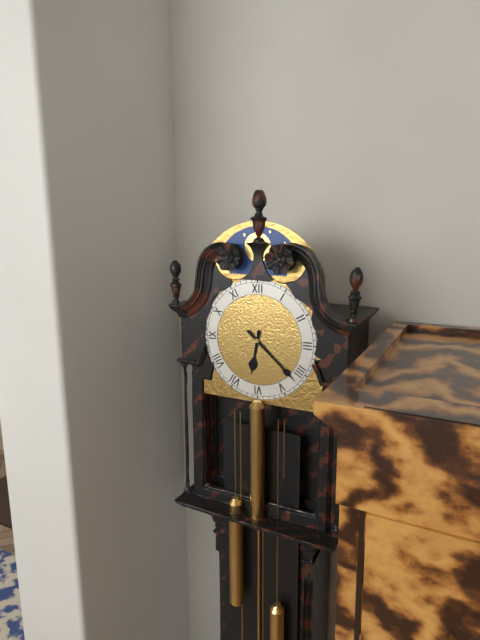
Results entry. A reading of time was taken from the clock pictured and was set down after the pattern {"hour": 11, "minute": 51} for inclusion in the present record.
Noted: {"hour": 6, "minute": 22}
